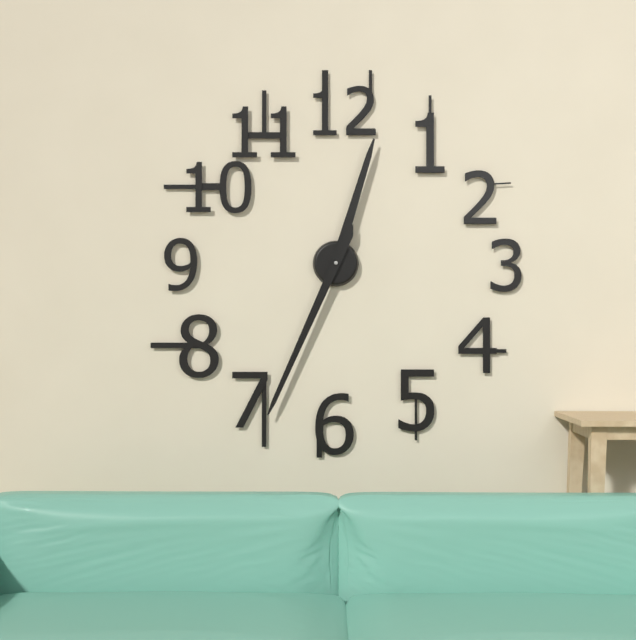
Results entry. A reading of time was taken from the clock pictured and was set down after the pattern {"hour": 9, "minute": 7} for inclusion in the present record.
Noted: {"hour": 12, "minute": 34}
